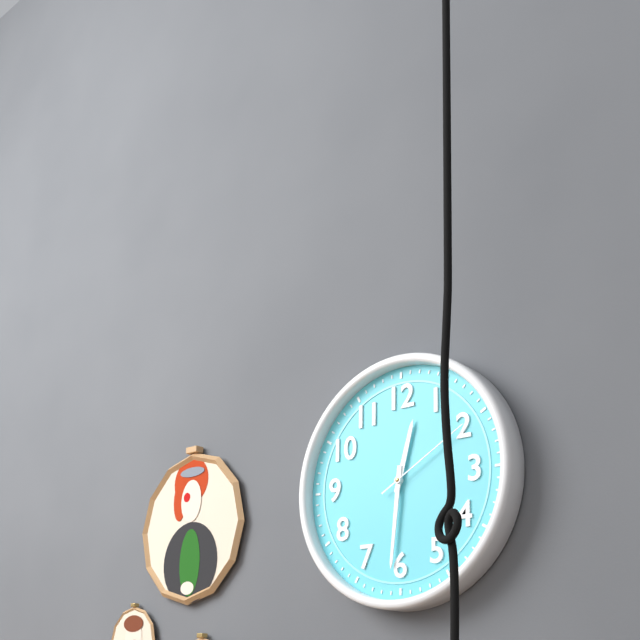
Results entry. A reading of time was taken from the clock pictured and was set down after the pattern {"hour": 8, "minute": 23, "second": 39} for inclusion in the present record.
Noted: {"hour": 12, "minute": 31, "second": 10}
